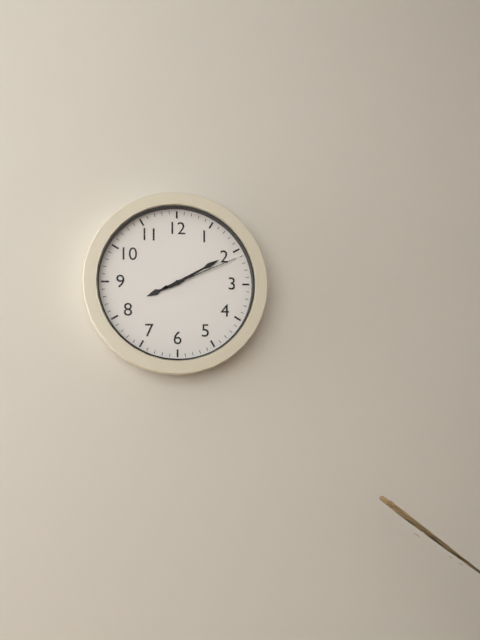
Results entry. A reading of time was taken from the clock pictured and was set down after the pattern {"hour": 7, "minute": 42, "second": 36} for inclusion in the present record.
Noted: {"hour": 8, "minute": 10, "second": 11}
